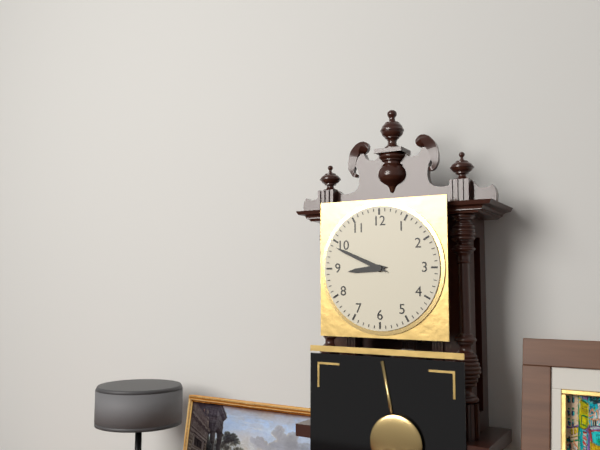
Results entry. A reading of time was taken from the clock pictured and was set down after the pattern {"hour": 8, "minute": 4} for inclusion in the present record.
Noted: {"hour": 8, "minute": 49}
